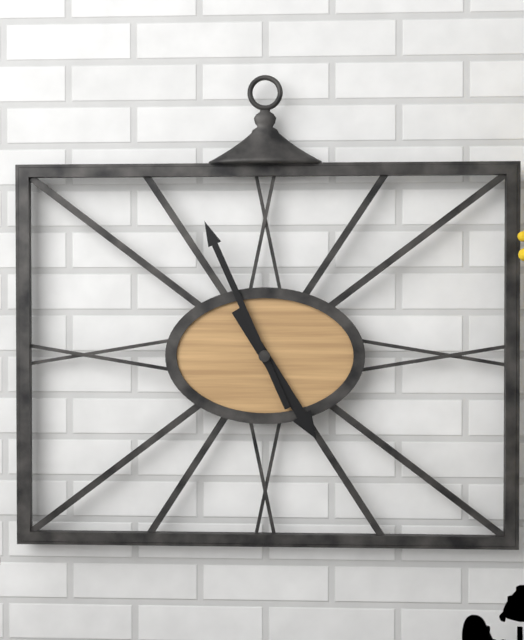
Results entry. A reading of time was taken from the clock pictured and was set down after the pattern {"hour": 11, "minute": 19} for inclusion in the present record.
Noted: {"hour": 4, "minute": 56}
